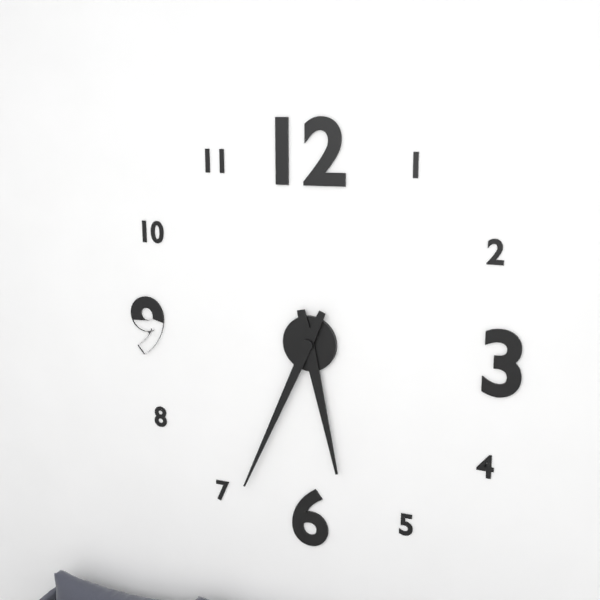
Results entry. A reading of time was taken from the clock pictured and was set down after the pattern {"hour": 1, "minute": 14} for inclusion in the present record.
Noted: {"hour": 5, "minute": 34}
